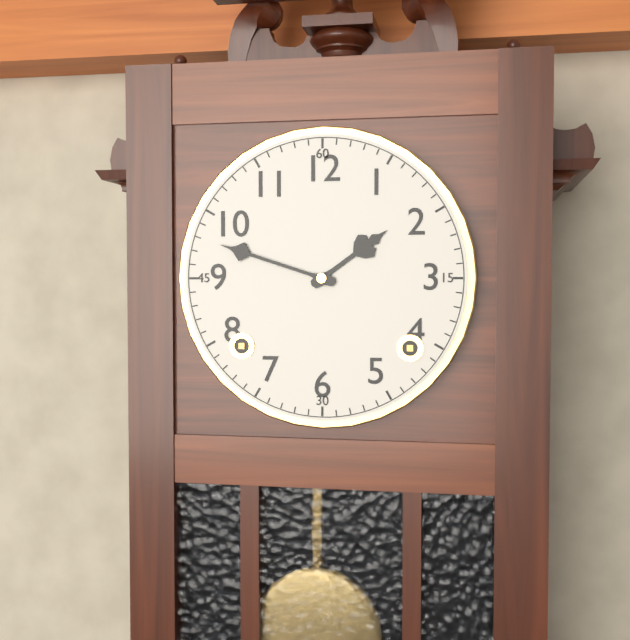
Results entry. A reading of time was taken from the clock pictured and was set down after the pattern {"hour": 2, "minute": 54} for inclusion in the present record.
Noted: {"hour": 1, "minute": 48}
